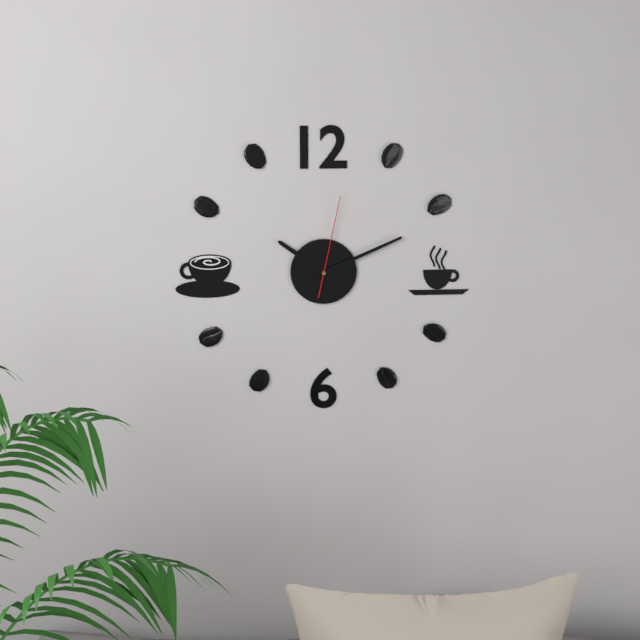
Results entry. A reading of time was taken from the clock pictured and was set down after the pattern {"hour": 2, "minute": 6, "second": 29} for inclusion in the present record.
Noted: {"hour": 10, "minute": 11, "second": 2}
